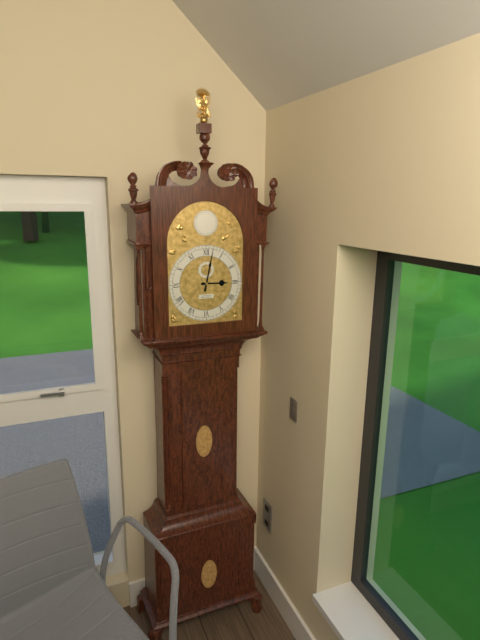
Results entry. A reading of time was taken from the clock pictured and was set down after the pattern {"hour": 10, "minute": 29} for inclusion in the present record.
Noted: {"hour": 3, "minute": 2}
